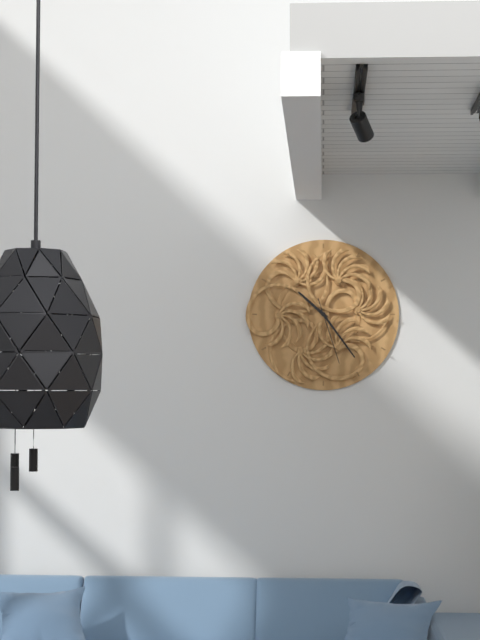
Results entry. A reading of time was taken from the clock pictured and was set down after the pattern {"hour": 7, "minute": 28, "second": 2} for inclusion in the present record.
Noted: {"hour": 10, "minute": 24, "second": 27}
